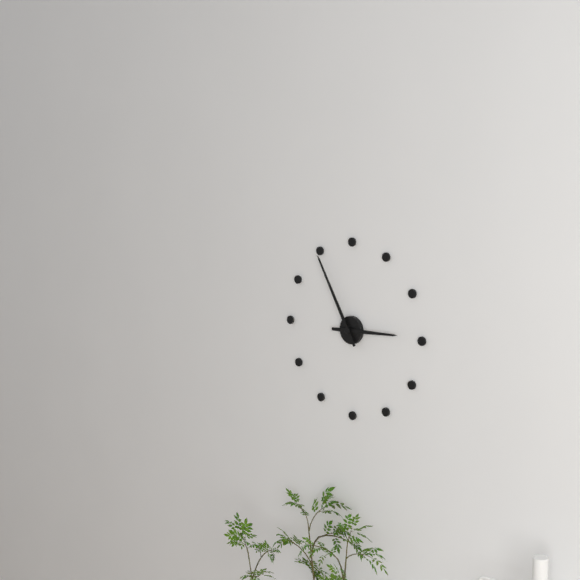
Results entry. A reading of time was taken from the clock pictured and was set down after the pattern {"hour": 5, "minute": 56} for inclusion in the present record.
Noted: {"hour": 2, "minute": 55}
